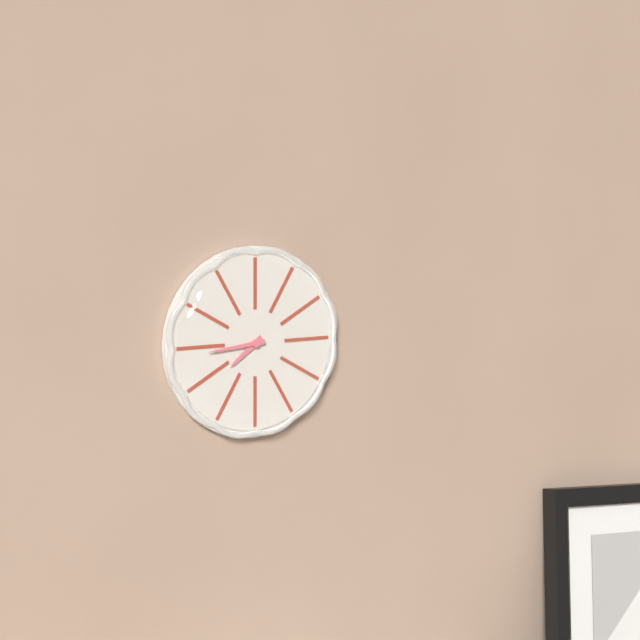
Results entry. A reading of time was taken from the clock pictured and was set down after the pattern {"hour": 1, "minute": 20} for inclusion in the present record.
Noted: {"hour": 7, "minute": 44}
